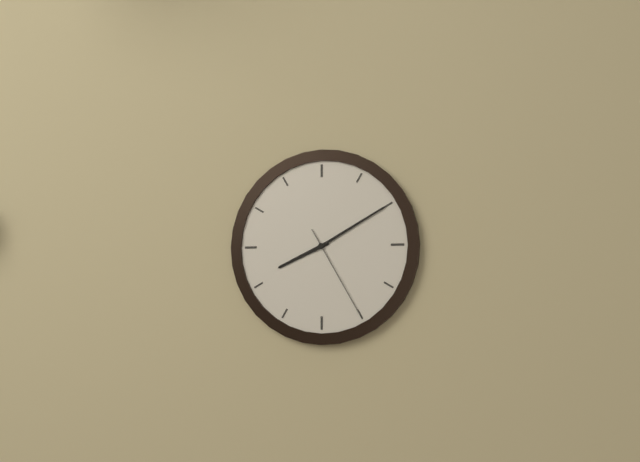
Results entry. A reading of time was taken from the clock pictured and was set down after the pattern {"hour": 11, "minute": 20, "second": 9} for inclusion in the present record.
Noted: {"hour": 8, "minute": 10, "second": 25}
